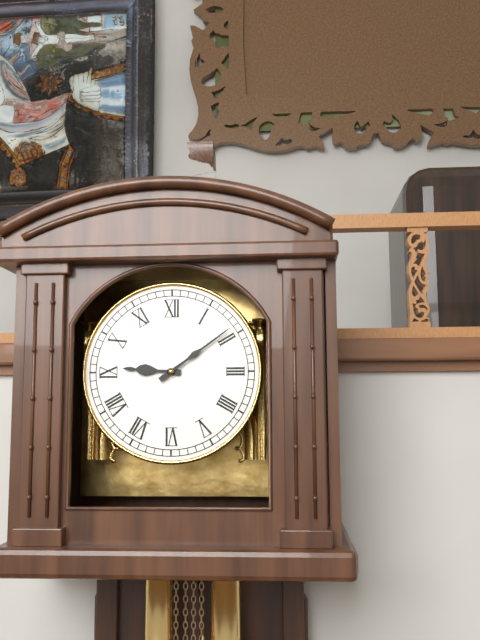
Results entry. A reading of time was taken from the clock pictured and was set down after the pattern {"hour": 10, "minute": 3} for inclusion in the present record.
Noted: {"hour": 9, "minute": 9}
